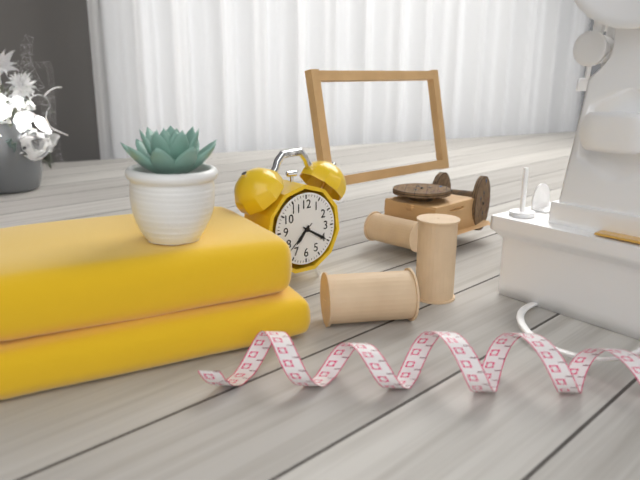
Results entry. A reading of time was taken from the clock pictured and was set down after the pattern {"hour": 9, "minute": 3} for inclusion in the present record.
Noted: {"hour": 7, "minute": 20}
